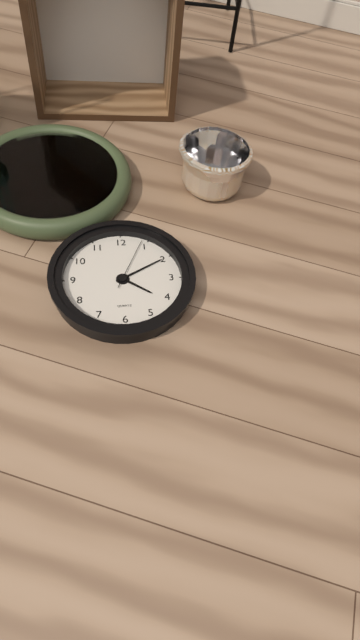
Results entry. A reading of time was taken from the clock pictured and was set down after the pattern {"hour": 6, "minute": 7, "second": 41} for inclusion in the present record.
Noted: {"hour": 4, "minute": 10, "second": 4}
